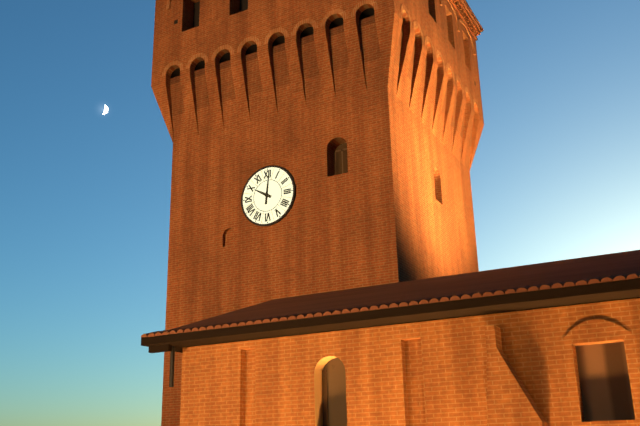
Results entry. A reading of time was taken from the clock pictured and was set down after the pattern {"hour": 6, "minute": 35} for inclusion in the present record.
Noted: {"hour": 10, "minute": 1}
